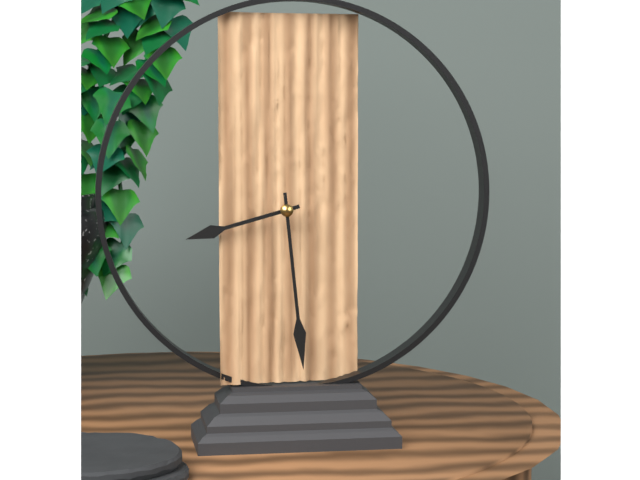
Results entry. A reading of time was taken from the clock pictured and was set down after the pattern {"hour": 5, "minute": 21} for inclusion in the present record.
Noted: {"hour": 8, "minute": 29}
